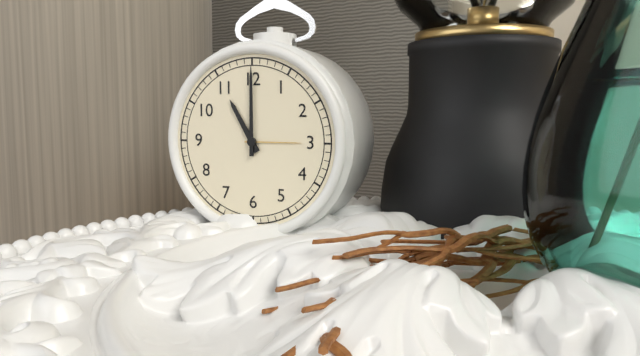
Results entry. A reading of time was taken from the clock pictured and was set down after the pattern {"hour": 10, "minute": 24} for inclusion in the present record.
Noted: {"hour": 11, "minute": 0}
